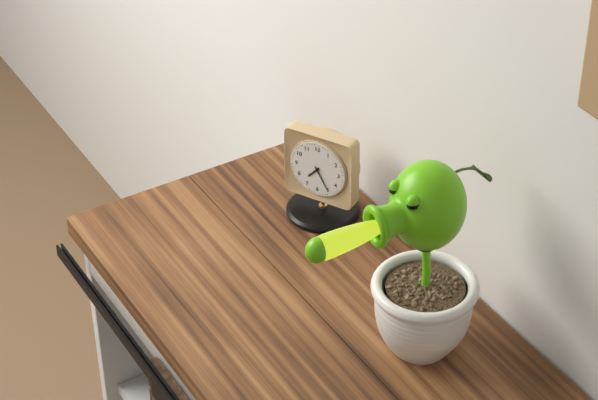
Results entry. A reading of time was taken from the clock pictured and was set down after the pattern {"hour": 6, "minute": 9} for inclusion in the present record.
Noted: {"hour": 7, "minute": 25}
